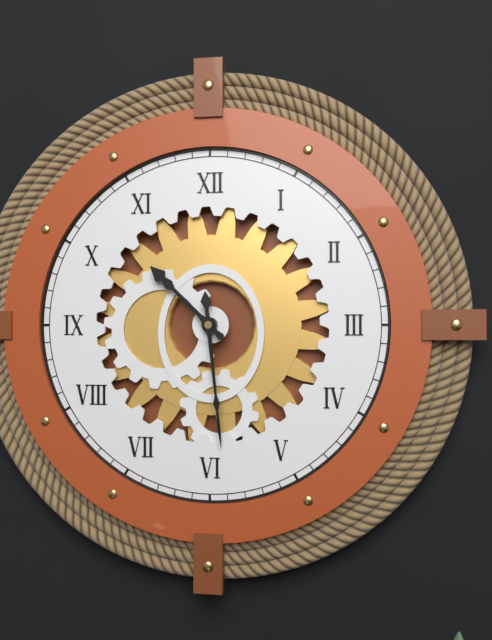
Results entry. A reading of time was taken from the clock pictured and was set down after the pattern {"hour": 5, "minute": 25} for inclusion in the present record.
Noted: {"hour": 10, "minute": 29}
